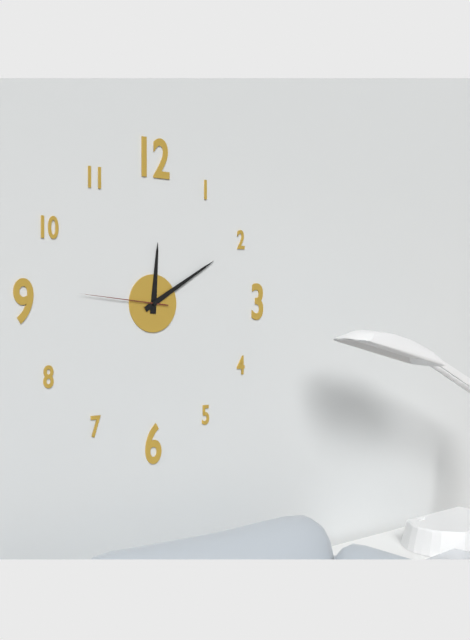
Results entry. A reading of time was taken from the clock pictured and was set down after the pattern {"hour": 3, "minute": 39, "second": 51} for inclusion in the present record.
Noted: {"hour": 12, "minute": 10, "second": 46}
